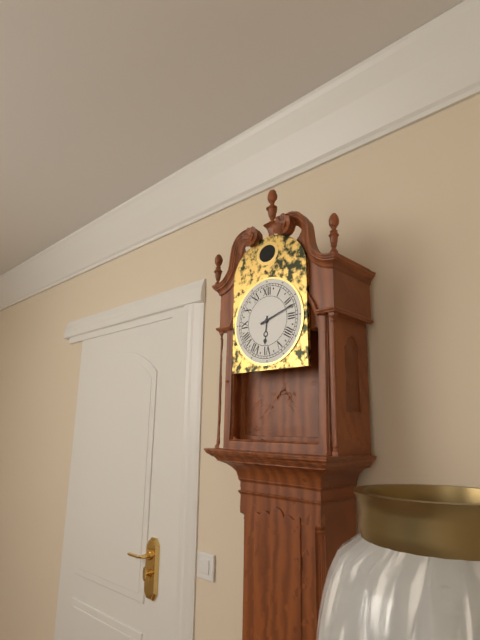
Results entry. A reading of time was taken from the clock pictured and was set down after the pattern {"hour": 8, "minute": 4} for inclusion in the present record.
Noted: {"hour": 6, "minute": 12}
